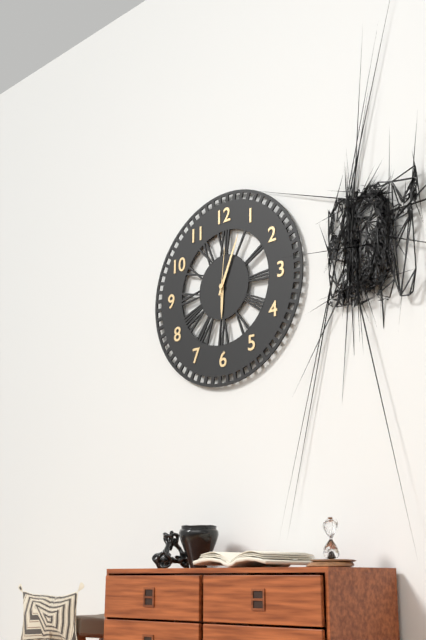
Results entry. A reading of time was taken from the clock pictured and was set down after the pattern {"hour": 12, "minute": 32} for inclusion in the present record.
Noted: {"hour": 6, "minute": 4}
